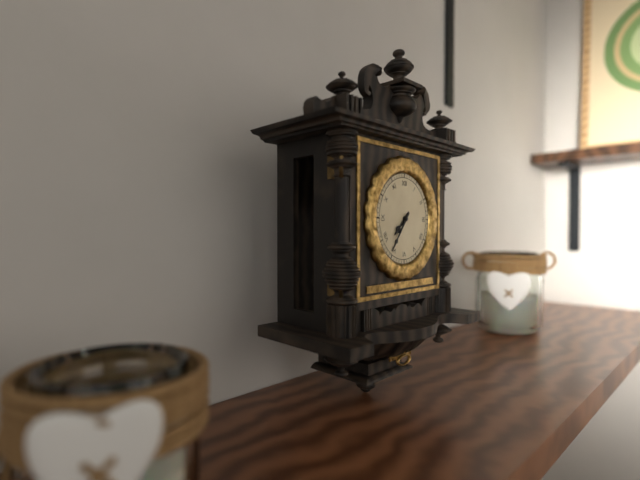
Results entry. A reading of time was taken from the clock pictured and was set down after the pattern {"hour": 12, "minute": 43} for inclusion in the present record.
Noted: {"hour": 7, "minute": 36}
